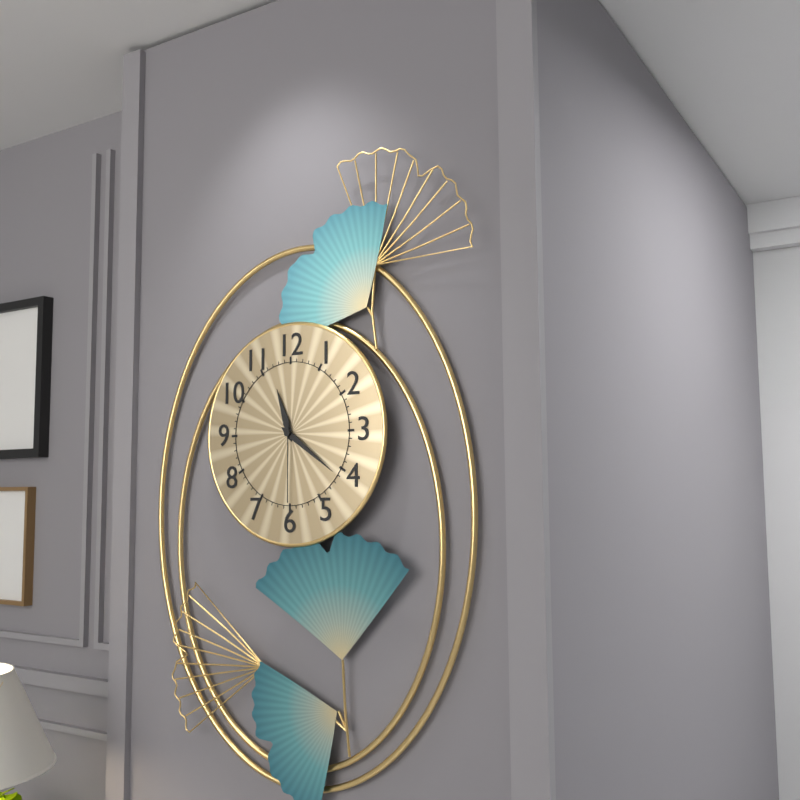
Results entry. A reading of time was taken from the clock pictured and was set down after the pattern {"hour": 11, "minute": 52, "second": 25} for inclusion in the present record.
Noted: {"hour": 11, "minute": 21, "second": 30}
